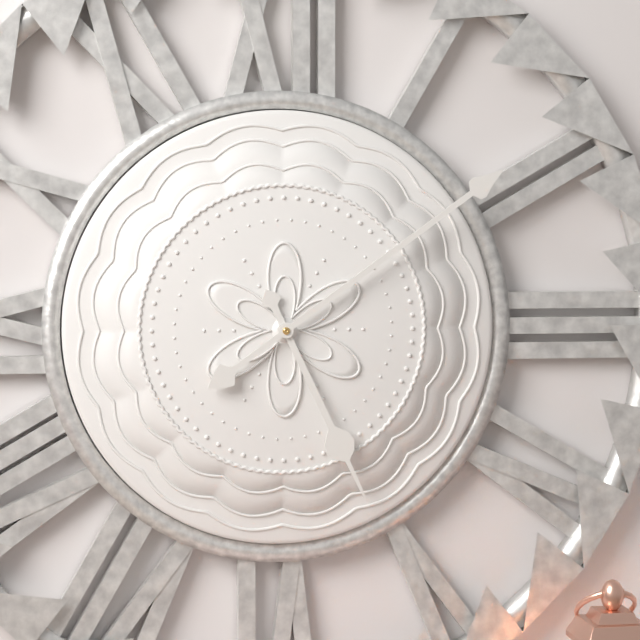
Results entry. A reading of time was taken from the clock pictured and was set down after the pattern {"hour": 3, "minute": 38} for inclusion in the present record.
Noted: {"hour": 5, "minute": 9}
